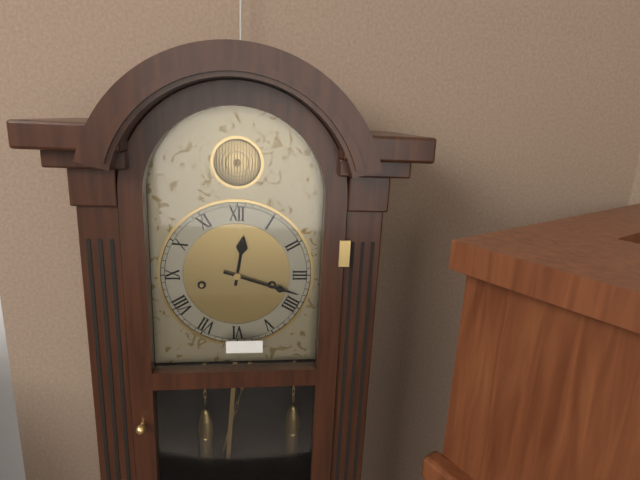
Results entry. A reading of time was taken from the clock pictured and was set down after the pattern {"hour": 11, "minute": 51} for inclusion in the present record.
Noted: {"hour": 12, "minute": 18}
